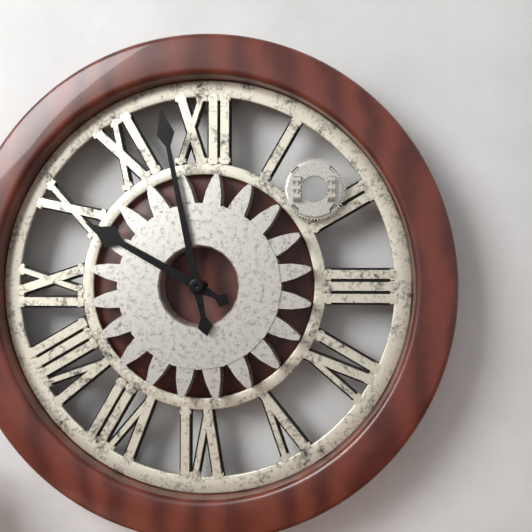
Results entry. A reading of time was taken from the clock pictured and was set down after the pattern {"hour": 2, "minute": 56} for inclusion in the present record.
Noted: {"hour": 9, "minute": 58}
